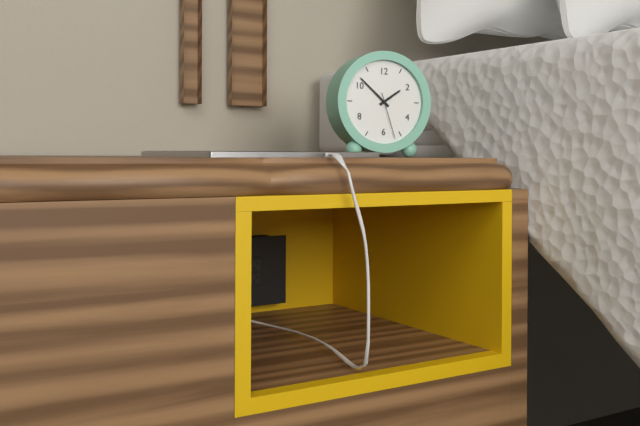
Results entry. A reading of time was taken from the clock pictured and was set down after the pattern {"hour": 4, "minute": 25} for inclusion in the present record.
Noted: {"hour": 1, "minute": 52}
